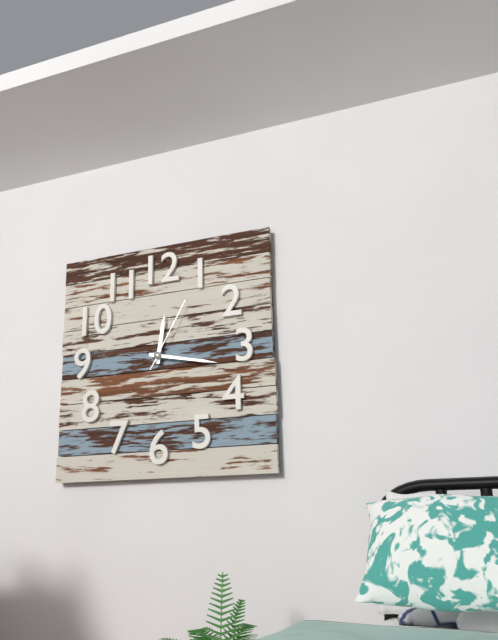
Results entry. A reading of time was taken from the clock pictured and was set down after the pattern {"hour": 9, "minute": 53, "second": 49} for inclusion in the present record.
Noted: {"hour": 12, "minute": 17, "second": 5}
